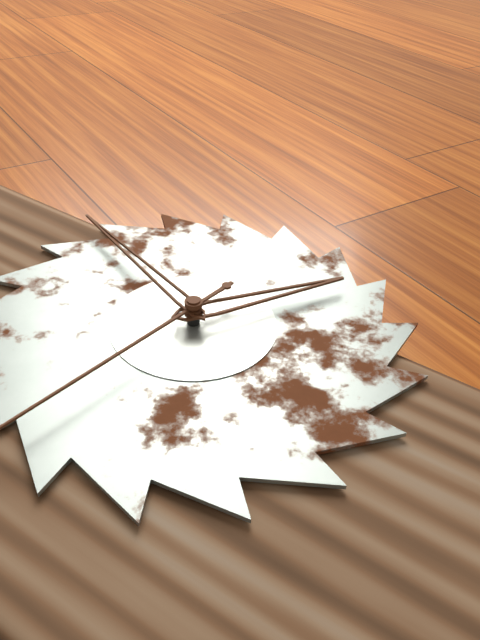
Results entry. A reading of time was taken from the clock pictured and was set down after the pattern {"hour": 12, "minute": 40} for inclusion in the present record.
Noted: {"hour": 4, "minute": 3}
